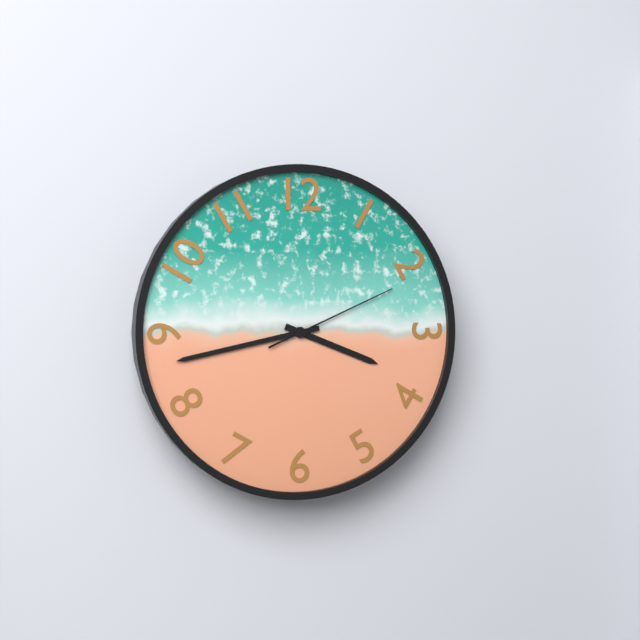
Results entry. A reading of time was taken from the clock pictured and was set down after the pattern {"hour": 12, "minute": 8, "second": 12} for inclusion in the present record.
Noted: {"hour": 3, "minute": 43, "second": 11}
